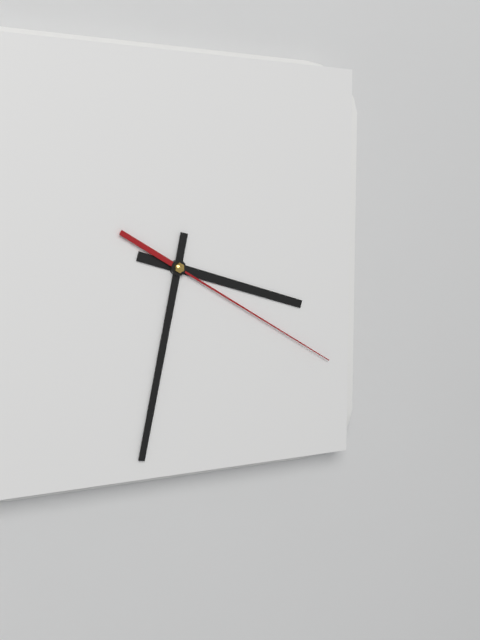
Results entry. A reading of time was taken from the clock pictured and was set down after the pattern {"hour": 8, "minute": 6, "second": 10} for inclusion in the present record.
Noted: {"hour": 3, "minute": 32, "second": 20}
